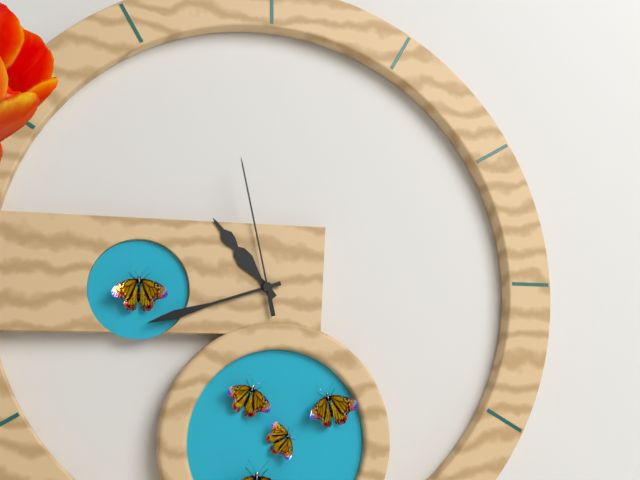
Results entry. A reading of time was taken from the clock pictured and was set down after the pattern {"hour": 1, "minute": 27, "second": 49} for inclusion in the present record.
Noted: {"hour": 10, "minute": 42, "second": 58}
